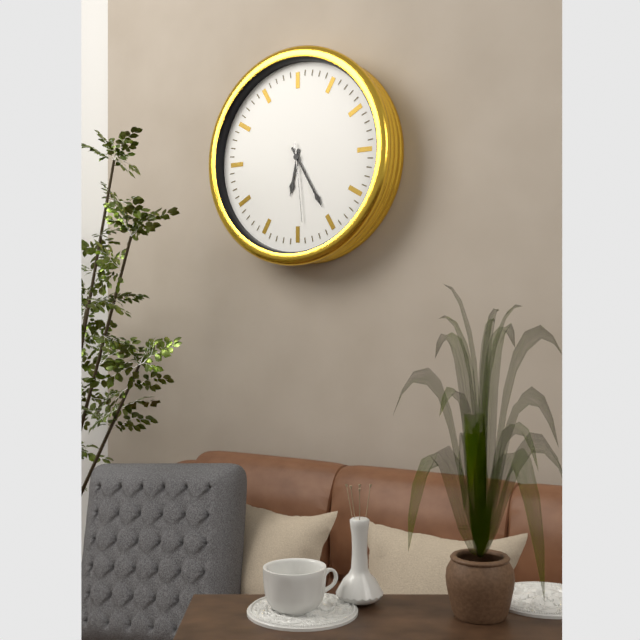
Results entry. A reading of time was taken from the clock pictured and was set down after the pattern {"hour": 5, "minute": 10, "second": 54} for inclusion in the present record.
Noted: {"hour": 6, "minute": 25, "second": 29}
